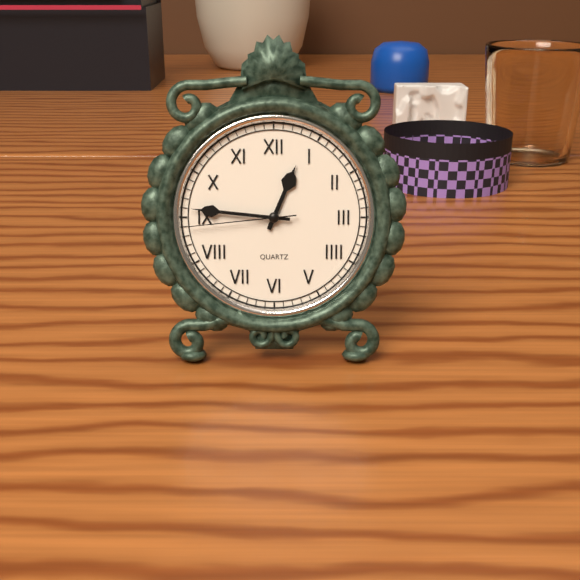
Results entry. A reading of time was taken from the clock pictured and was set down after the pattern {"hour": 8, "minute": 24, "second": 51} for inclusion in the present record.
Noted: {"hour": 12, "minute": 46, "second": 44}
